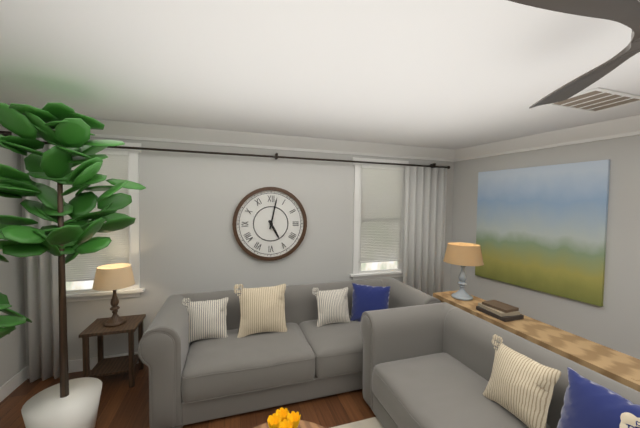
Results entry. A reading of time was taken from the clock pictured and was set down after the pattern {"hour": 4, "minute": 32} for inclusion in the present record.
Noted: {"hour": 5, "minute": 2}
